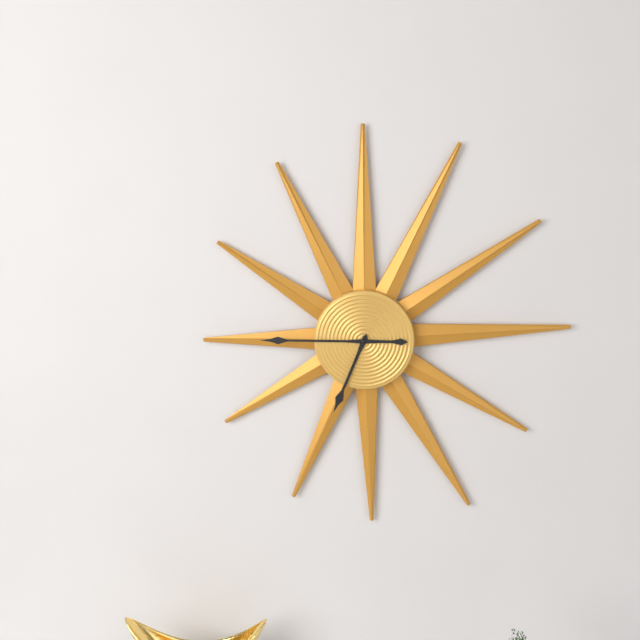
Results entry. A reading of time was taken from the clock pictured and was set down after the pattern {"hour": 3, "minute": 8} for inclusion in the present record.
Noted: {"hour": 6, "minute": 45}
